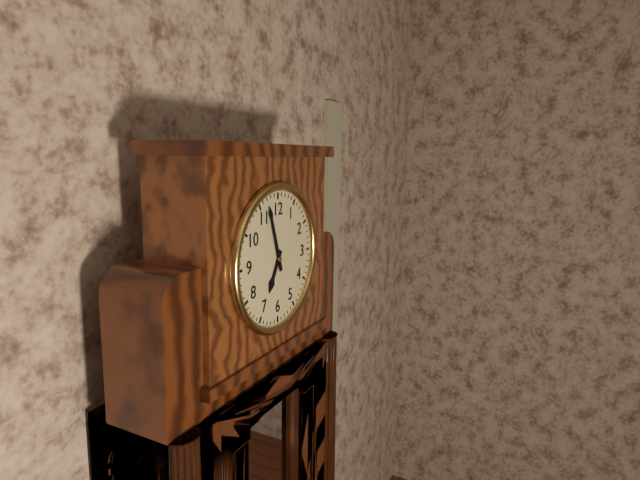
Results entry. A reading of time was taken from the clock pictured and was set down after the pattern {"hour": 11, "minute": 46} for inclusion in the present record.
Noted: {"hour": 6, "minute": 57}
